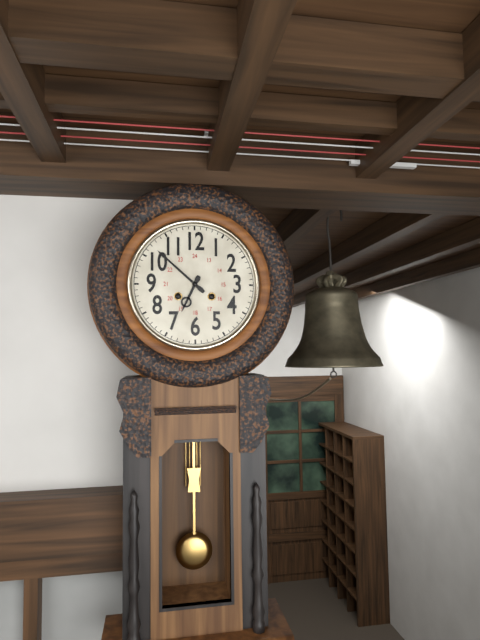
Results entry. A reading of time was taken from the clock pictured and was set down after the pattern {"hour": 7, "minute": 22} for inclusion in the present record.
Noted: {"hour": 6, "minute": 52}
